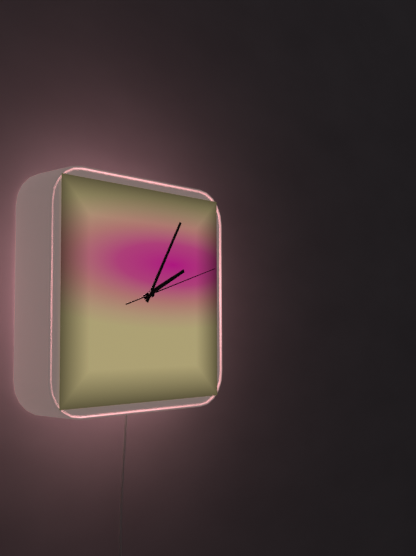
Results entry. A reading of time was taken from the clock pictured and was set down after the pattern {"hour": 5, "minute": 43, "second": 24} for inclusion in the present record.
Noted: {"hour": 2, "minute": 5, "second": 12}
